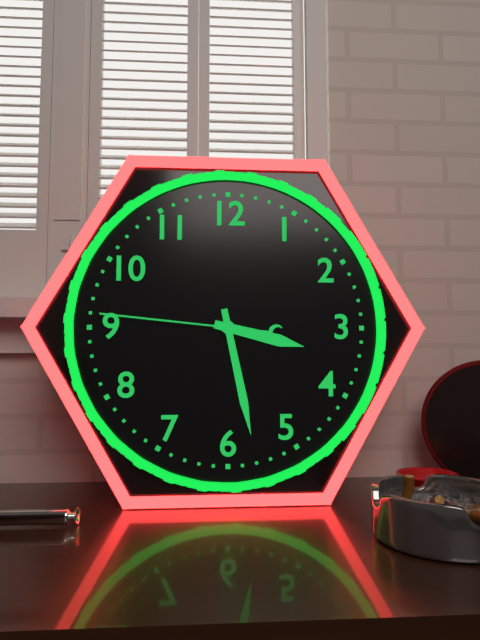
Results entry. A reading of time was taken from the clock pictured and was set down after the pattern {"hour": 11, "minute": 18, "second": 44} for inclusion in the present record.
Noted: {"hour": 3, "minute": 28, "second": 46}
